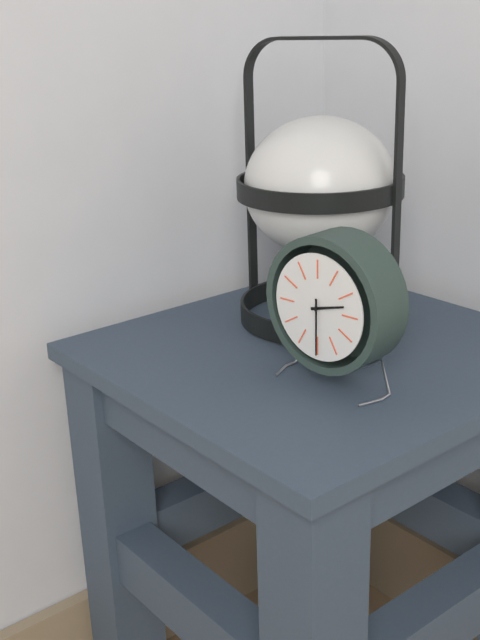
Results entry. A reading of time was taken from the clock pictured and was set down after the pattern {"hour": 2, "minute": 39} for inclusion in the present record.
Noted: {"hour": 2, "minute": 30}
